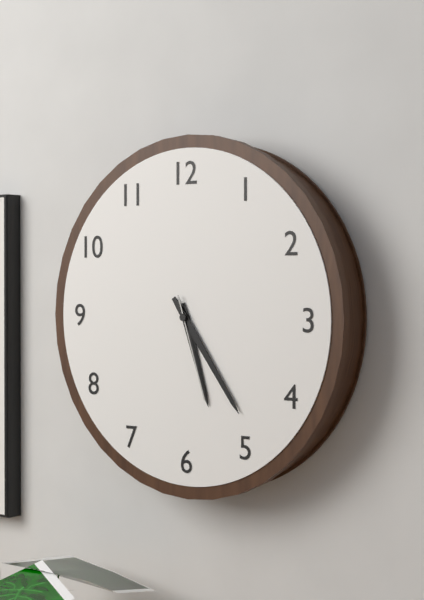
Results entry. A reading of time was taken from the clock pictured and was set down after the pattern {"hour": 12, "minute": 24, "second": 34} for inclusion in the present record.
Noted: {"hour": 5, "minute": 24, "second": 27}
